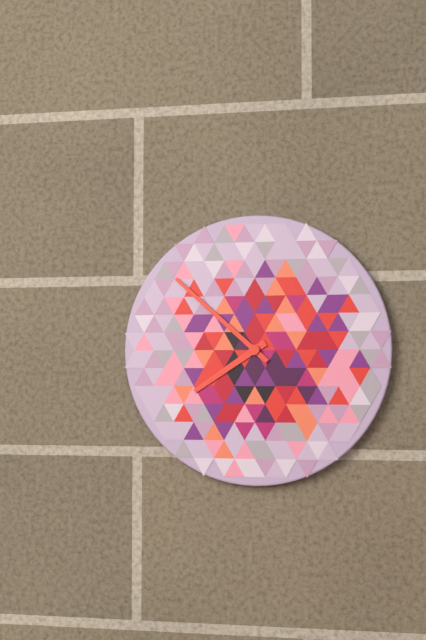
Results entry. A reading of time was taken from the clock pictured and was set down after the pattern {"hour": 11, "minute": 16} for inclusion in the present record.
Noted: {"hour": 7, "minute": 52}
